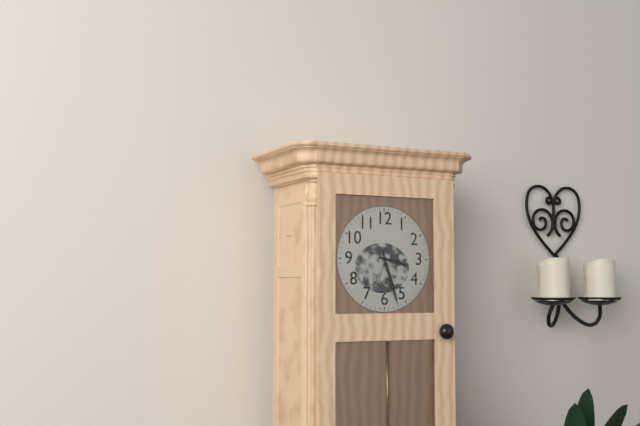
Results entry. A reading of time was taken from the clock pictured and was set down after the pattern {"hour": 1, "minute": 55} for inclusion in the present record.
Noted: {"hour": 3, "minute": 27}
